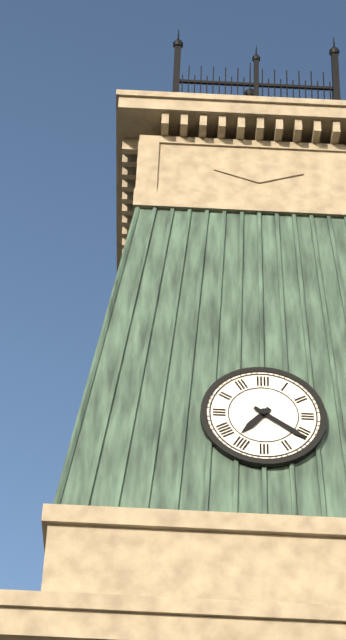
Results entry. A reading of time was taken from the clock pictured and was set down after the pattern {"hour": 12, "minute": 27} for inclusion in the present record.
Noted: {"hour": 7, "minute": 21}
